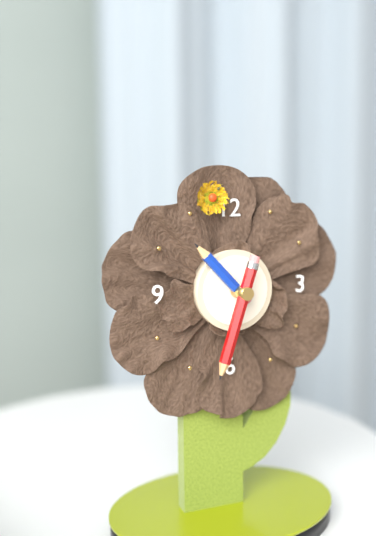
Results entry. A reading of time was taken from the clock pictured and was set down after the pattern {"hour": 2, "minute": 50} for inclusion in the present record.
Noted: {"hour": 10, "minute": 33}
